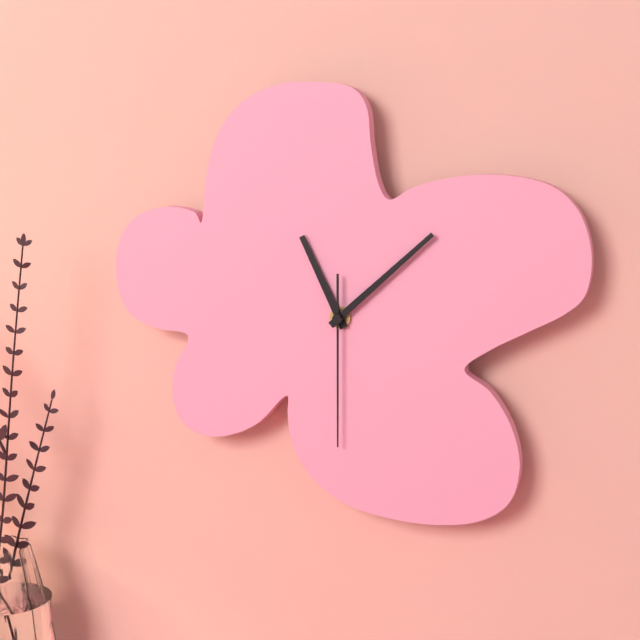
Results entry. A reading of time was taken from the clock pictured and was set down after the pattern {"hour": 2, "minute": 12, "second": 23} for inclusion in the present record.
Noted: {"hour": 11, "minute": 8, "second": 30}
